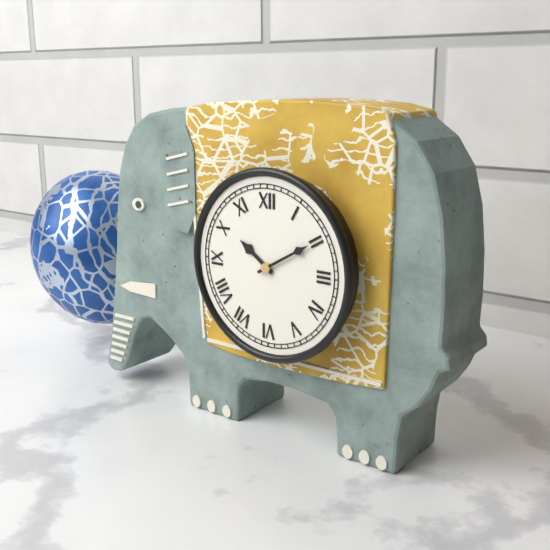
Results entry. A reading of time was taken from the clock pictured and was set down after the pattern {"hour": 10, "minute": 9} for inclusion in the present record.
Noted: {"hour": 10, "minute": 10}
